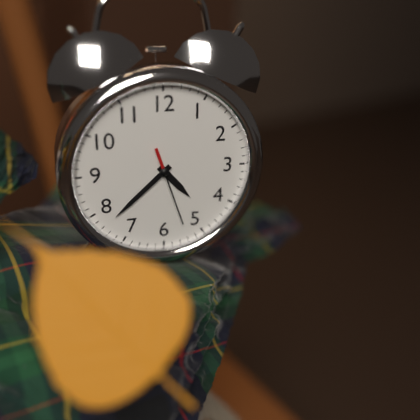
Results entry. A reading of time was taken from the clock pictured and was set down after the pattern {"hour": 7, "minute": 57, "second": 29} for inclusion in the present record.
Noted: {"hour": 4, "minute": 38, "second": 27}
